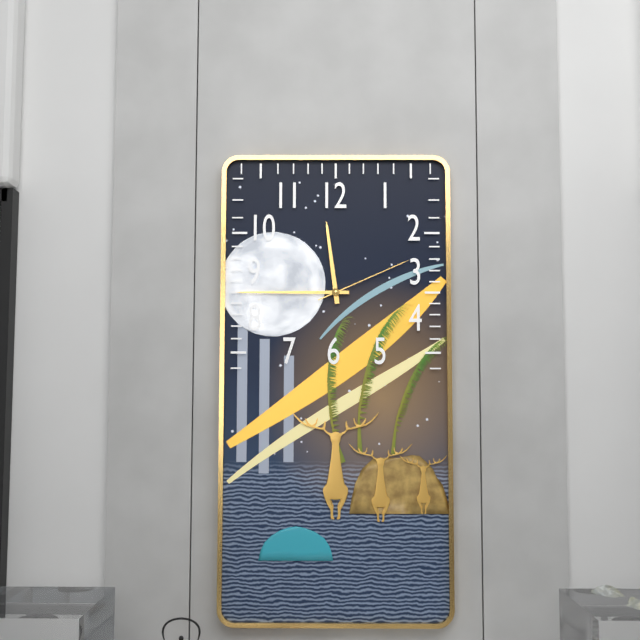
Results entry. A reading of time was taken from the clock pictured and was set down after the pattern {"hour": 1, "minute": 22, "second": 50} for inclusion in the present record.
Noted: {"hour": 11, "minute": 45, "second": 11}
